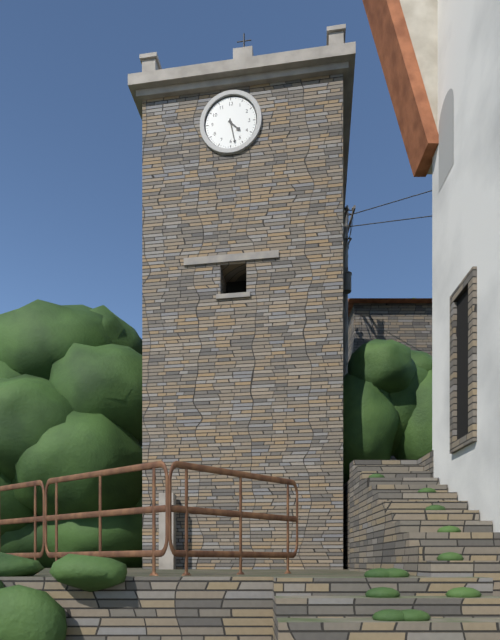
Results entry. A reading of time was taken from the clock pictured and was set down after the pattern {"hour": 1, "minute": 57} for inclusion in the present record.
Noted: {"hour": 4, "minute": 28}
